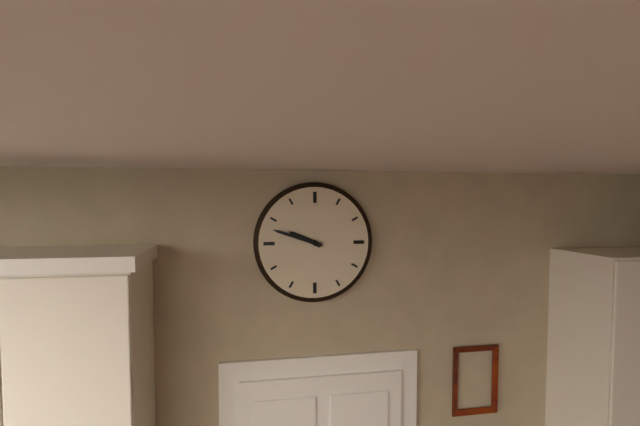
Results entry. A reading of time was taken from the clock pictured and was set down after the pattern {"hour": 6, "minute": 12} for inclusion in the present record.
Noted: {"hour": 9, "minute": 48}
